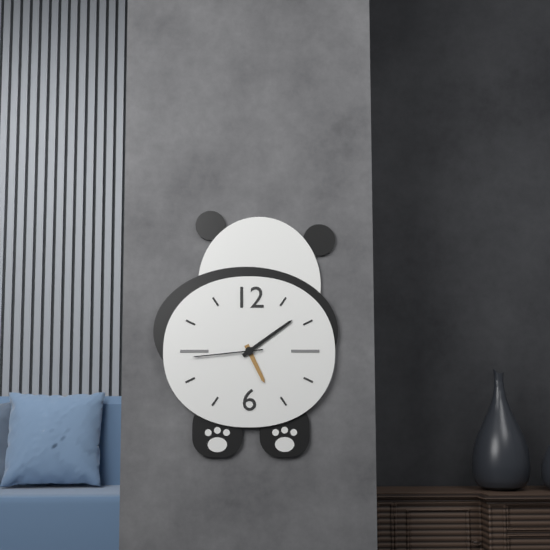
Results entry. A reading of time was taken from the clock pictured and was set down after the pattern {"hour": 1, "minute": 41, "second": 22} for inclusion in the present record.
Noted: {"hour": 5, "minute": 9, "second": 44}
